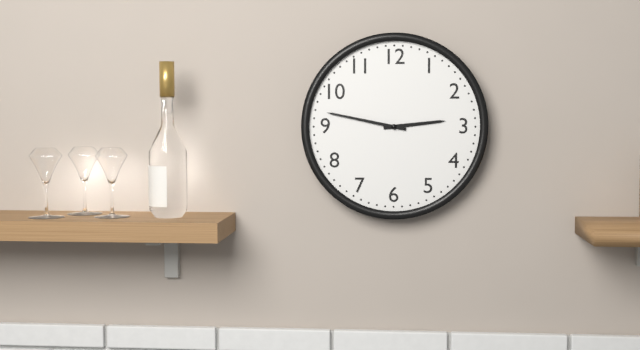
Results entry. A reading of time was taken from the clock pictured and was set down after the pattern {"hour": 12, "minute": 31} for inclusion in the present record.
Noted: {"hour": 2, "minute": 47}
